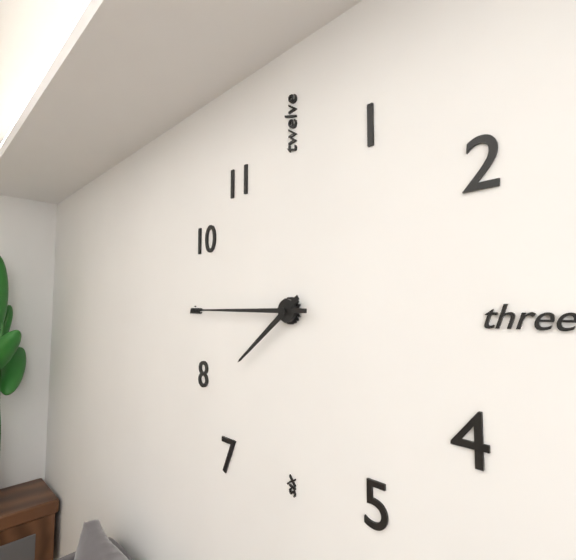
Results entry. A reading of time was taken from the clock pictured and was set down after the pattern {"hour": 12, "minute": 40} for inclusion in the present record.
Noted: {"hour": 7, "minute": 45}
